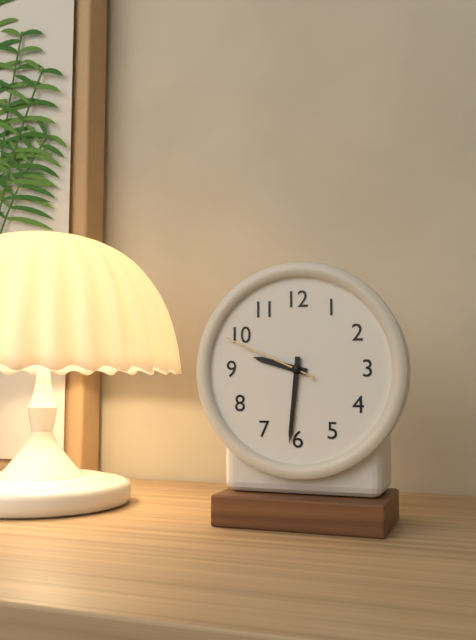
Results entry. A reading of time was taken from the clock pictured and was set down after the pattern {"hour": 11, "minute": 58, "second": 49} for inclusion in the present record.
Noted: {"hour": 9, "minute": 31, "second": 49}
